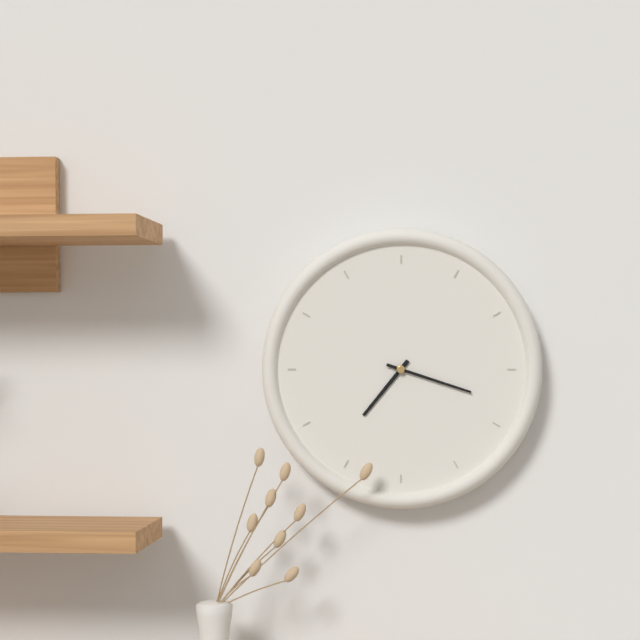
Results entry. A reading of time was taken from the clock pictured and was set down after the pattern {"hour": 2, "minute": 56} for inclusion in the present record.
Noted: {"hour": 7, "minute": 18}
